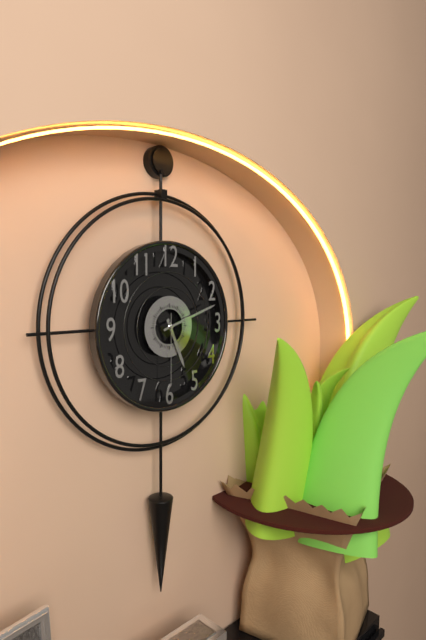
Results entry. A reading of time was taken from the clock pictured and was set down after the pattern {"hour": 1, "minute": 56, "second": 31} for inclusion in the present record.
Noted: {"hour": 5, "minute": 12, "second": 30}
